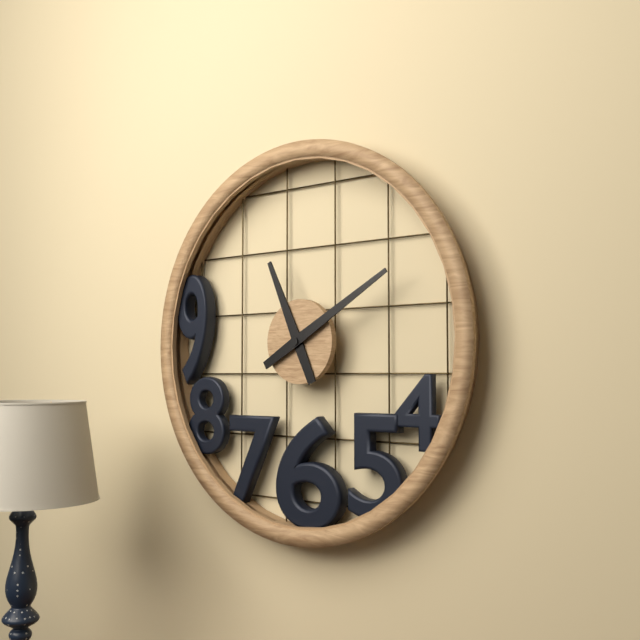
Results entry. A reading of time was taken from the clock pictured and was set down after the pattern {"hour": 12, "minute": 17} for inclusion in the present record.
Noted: {"hour": 11, "minute": 10}
